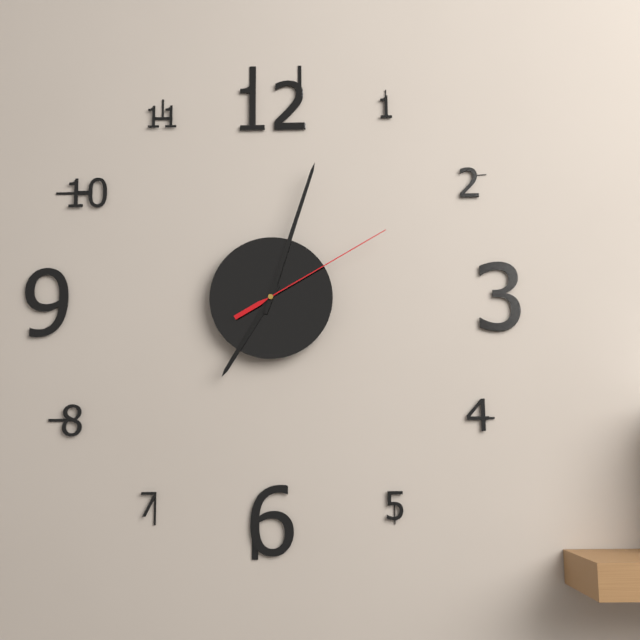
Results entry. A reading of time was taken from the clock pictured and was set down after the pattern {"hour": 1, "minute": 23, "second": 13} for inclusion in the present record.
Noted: {"hour": 7, "minute": 3, "second": 10}
